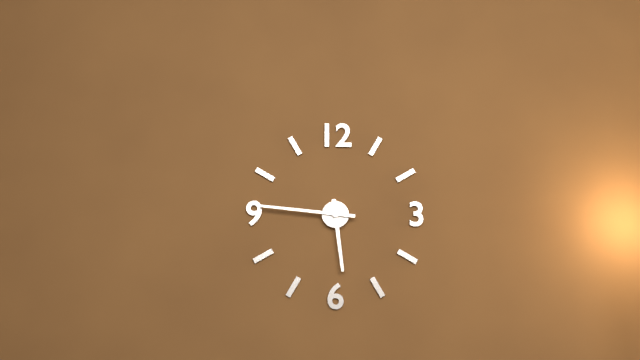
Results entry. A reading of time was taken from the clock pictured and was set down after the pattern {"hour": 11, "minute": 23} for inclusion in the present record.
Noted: {"hour": 5, "minute": 46}
